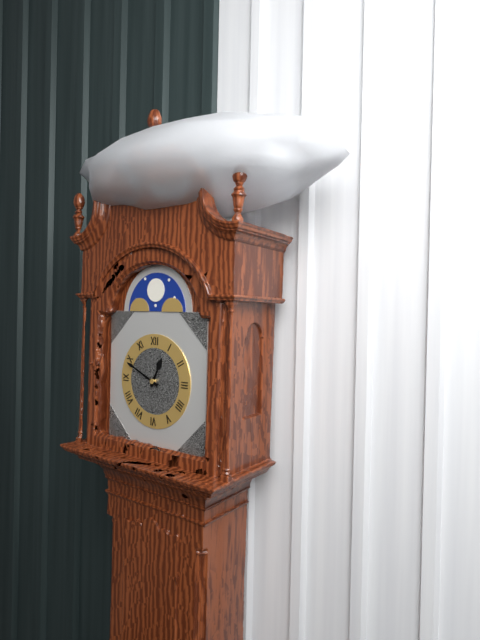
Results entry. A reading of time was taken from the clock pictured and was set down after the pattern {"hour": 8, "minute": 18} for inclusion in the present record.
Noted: {"hour": 12, "minute": 49}
